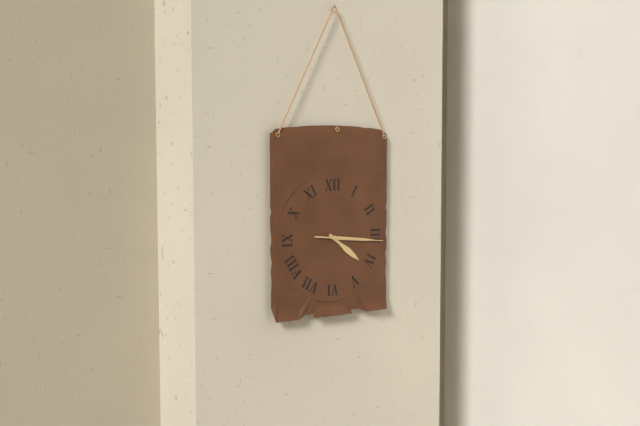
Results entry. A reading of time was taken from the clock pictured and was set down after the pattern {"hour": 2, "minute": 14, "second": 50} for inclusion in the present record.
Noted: {"hour": 4, "minute": 16, "second": 16}
